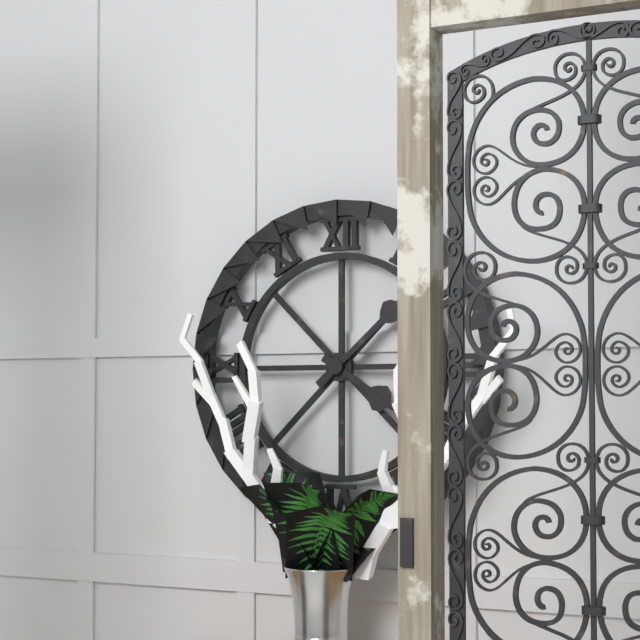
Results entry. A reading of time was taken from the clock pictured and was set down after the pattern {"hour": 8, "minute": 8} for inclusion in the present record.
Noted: {"hour": 4, "minute": 8}
